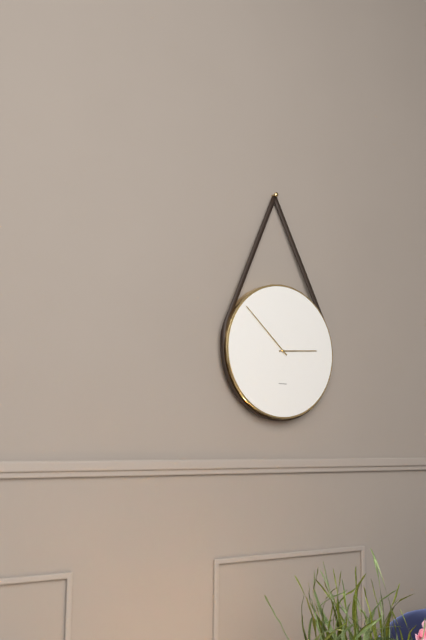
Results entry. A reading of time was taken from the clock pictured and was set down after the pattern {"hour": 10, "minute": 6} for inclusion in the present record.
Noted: {"hour": 2, "minute": 52}
